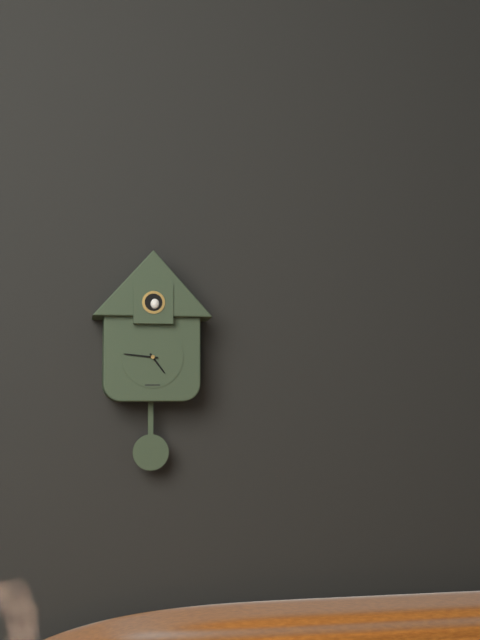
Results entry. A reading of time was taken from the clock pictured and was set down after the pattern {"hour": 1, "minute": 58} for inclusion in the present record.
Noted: {"hour": 4, "minute": 46}
